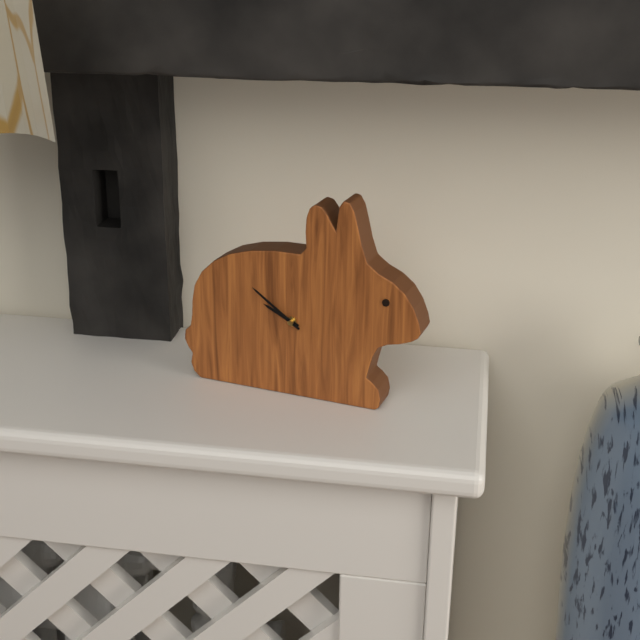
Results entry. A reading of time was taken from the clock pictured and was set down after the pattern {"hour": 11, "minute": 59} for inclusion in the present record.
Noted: {"hour": 9, "minute": 51}
